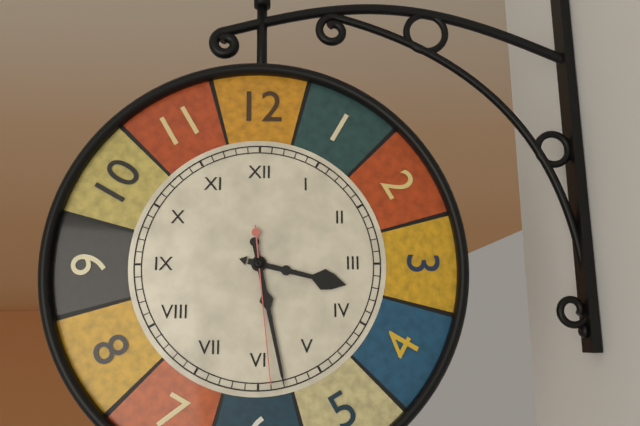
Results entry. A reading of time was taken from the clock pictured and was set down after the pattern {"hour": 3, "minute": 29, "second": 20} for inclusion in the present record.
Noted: {"hour": 3, "minute": 28, "second": 29}
